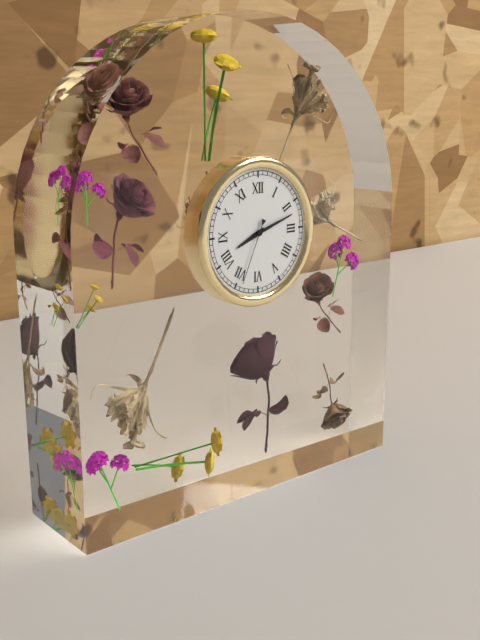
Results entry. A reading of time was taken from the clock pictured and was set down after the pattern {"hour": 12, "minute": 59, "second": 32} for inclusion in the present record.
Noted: {"hour": 8, "minute": 12, "second": 34}
